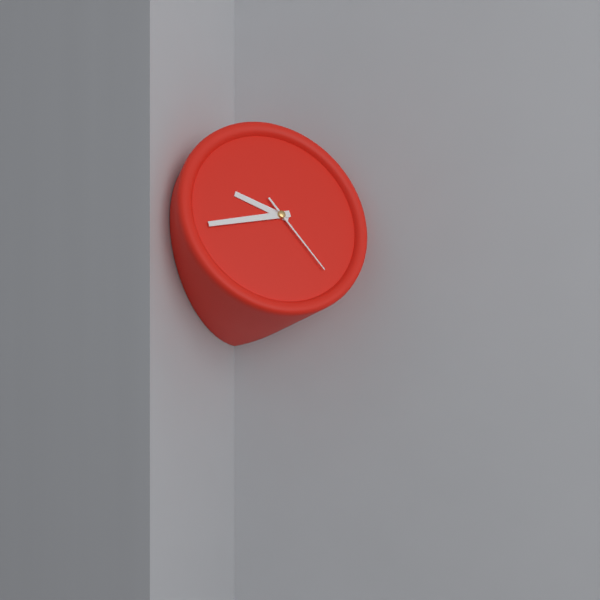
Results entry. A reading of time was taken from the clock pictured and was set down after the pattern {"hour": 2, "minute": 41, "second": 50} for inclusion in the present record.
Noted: {"hour": 9, "minute": 43, "second": 24}
